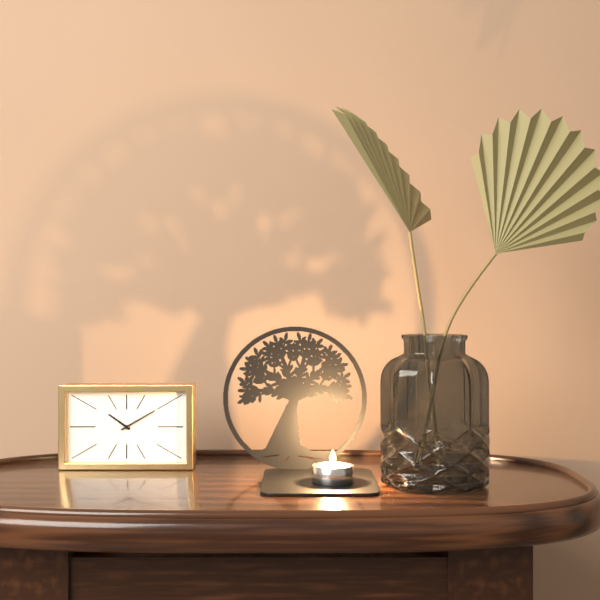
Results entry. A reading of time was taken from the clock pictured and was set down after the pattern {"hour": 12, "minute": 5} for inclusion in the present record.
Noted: {"hour": 10, "minute": 10}
